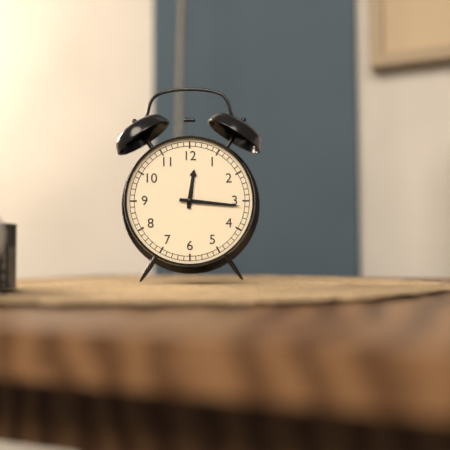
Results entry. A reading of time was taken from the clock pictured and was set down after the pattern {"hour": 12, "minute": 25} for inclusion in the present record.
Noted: {"hour": 12, "minute": 16}
